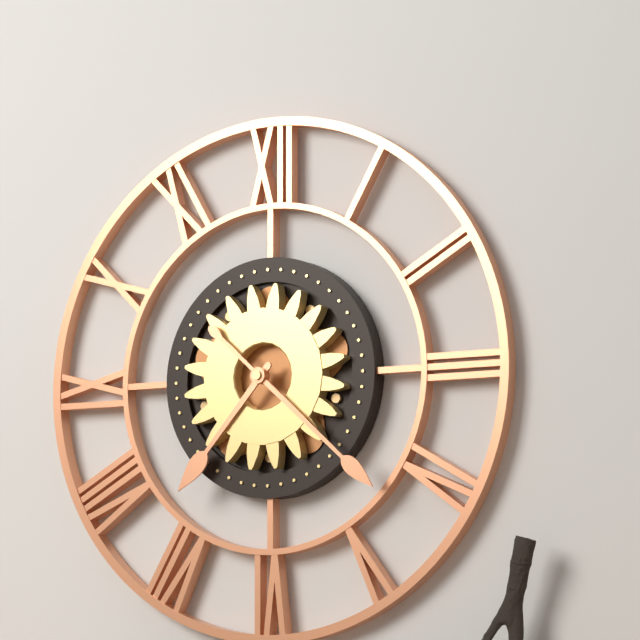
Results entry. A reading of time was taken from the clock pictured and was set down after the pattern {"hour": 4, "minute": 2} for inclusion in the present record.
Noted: {"hour": 7, "minute": 22}
